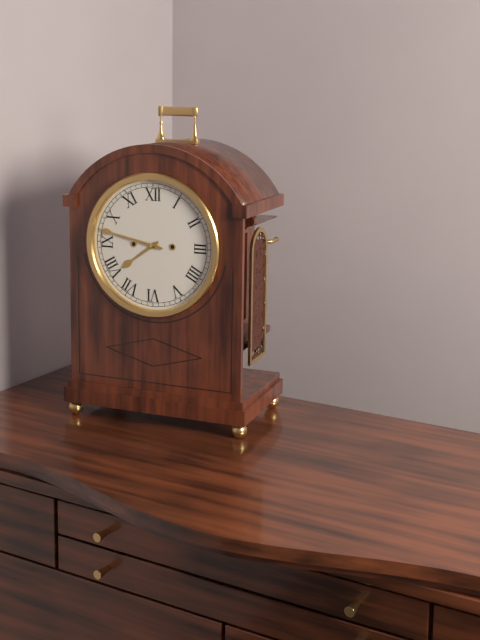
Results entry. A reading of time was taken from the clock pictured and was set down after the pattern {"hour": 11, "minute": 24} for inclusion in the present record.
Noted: {"hour": 7, "minute": 47}
